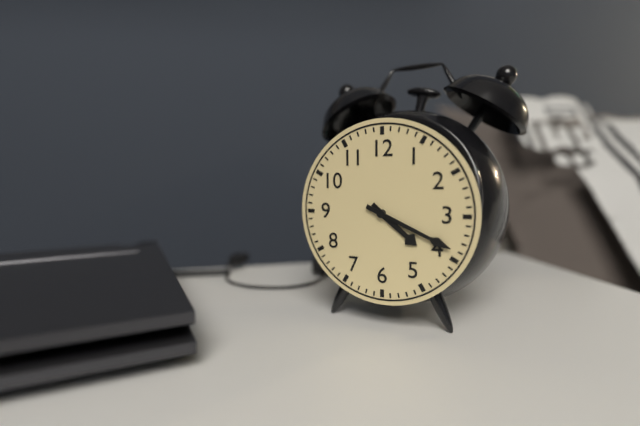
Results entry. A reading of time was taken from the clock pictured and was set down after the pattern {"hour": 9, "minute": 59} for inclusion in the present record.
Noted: {"hour": 4, "minute": 19}
